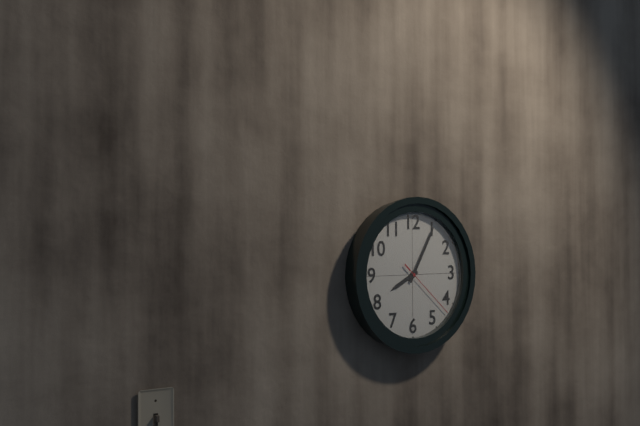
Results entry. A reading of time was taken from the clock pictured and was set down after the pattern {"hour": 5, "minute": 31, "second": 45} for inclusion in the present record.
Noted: {"hour": 8, "minute": 5, "second": 22}
